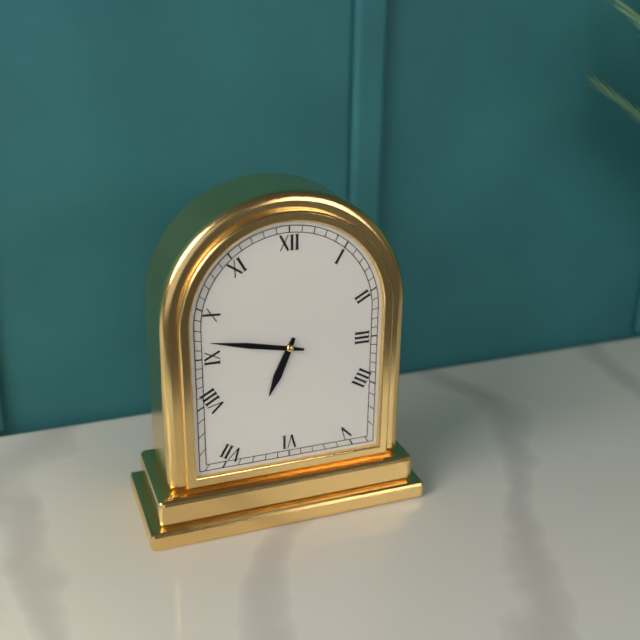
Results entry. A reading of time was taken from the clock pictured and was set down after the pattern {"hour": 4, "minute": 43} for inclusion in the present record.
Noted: {"hour": 6, "minute": 47}
